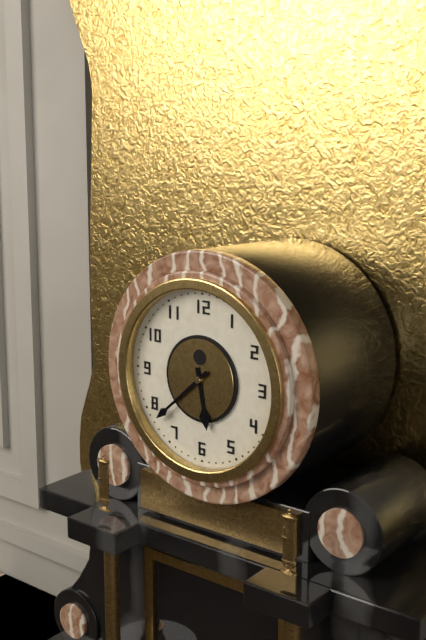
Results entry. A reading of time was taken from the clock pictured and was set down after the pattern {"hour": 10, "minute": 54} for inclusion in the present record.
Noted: {"hour": 5, "minute": 38}
